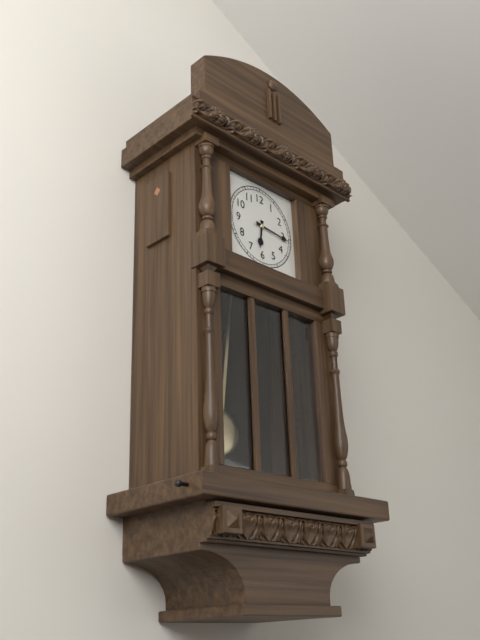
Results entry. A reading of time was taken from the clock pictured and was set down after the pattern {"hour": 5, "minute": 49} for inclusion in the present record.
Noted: {"hour": 6, "minute": 16}
